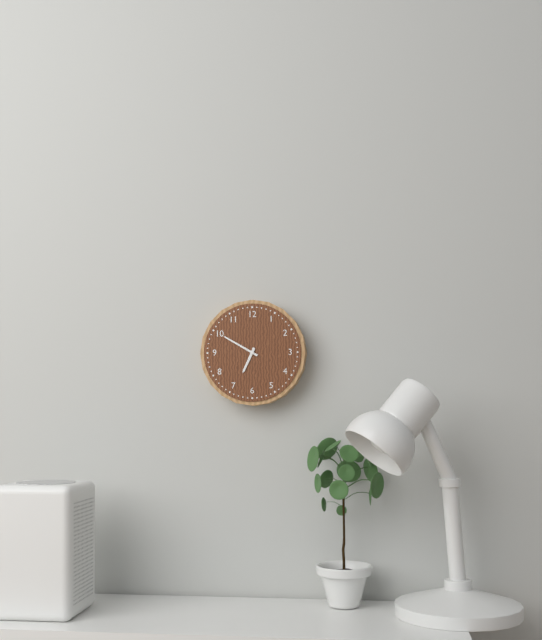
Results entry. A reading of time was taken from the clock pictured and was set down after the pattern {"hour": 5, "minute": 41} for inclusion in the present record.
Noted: {"hour": 6, "minute": 50}
